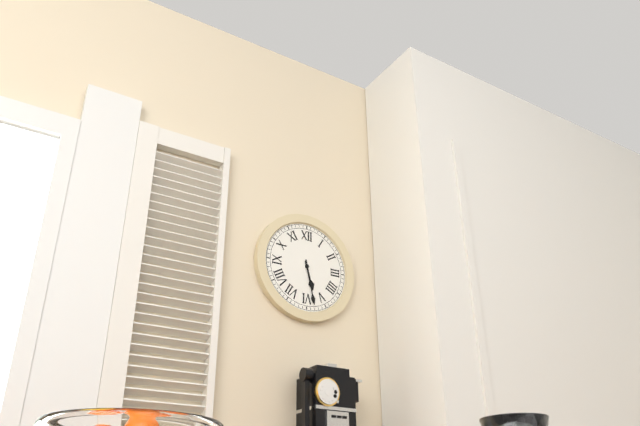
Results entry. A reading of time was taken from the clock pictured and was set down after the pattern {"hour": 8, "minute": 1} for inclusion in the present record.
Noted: {"hour": 5, "minute": 28}
